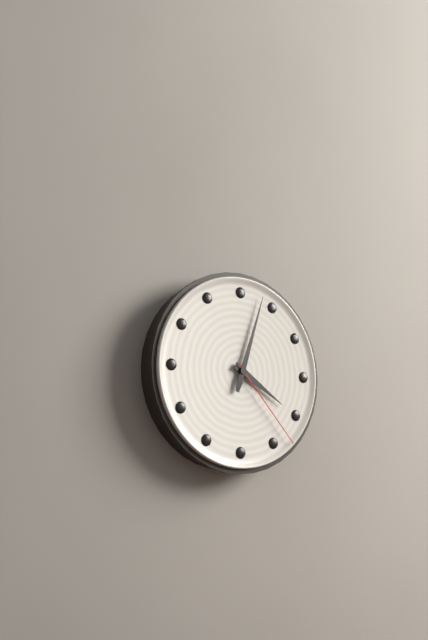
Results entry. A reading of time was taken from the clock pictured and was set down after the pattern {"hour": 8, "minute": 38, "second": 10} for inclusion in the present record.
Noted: {"hour": 4, "minute": 3, "second": 23}
